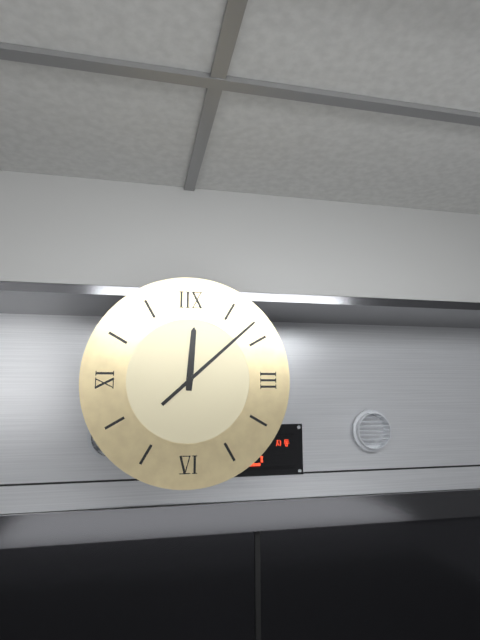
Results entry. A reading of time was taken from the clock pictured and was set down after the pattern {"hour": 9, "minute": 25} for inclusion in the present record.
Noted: {"hour": 12, "minute": 8}
